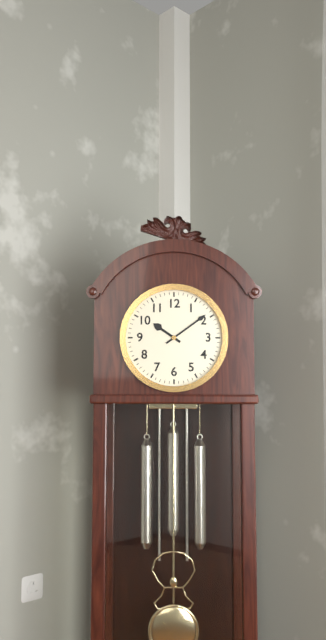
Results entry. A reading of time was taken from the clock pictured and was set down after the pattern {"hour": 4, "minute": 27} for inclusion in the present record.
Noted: {"hour": 10, "minute": 9}
